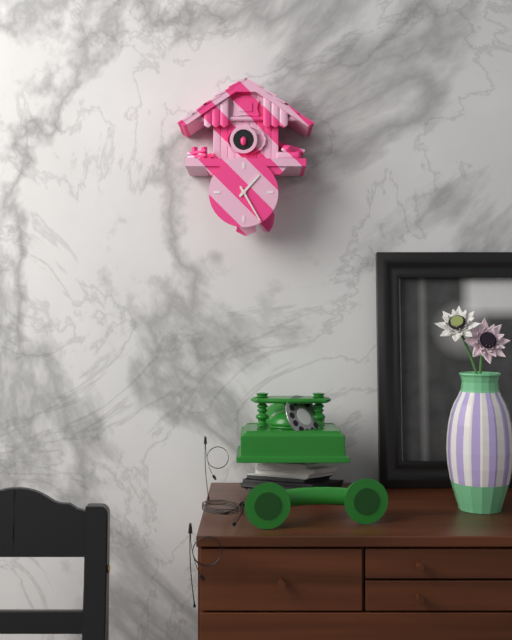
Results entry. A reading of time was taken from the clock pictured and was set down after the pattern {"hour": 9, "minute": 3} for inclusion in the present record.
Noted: {"hour": 1, "minute": 25}
